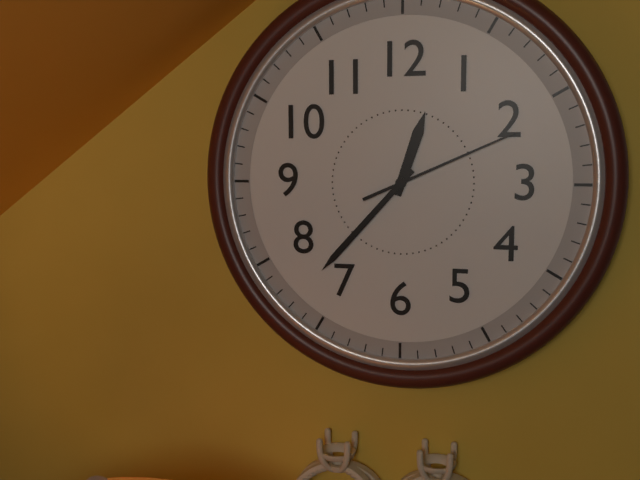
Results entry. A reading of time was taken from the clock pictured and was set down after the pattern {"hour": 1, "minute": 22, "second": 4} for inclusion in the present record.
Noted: {"hour": 12, "minute": 37, "second": 11}
